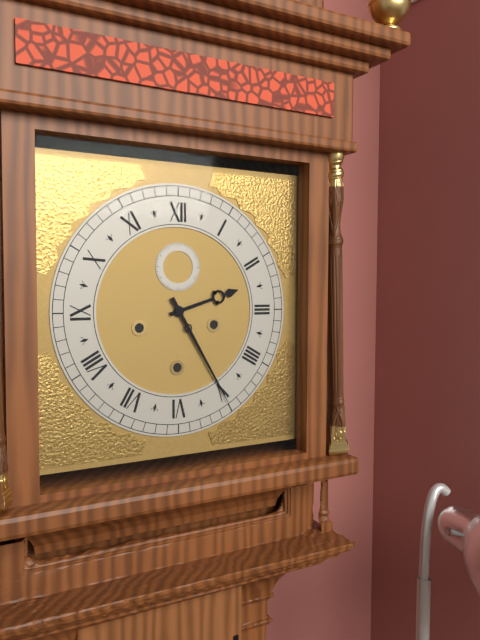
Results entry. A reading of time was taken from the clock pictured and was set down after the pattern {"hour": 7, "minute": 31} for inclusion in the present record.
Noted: {"hour": 2, "minute": 25}
